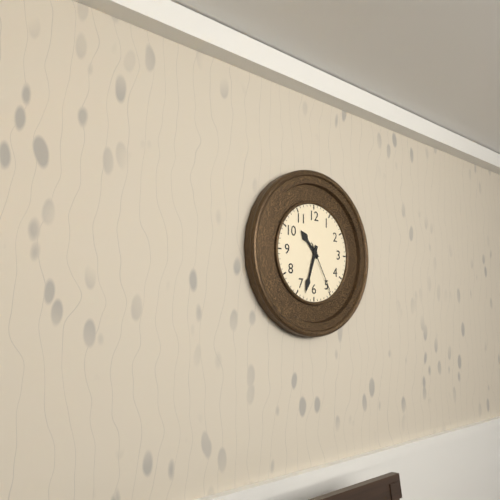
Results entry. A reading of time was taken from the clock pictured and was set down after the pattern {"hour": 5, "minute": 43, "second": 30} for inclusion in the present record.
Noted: {"hour": 10, "minute": 33, "second": 25}
